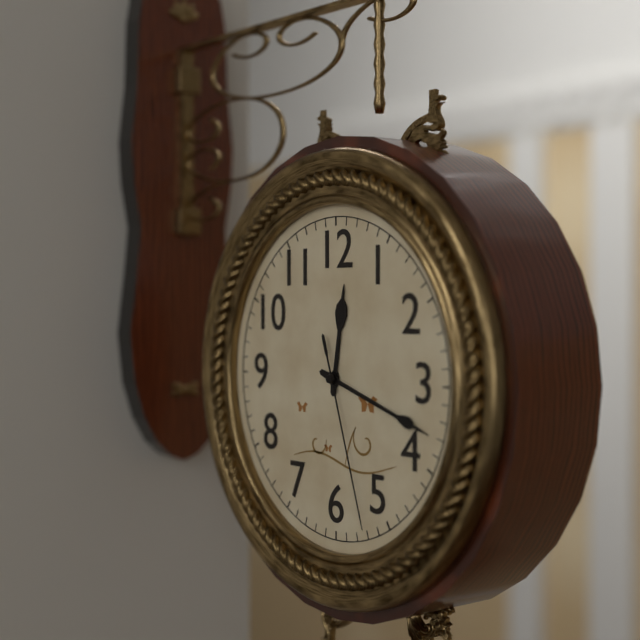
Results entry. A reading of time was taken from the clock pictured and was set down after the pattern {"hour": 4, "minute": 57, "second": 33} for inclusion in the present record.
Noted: {"hour": 12, "minute": 18, "second": 27}
